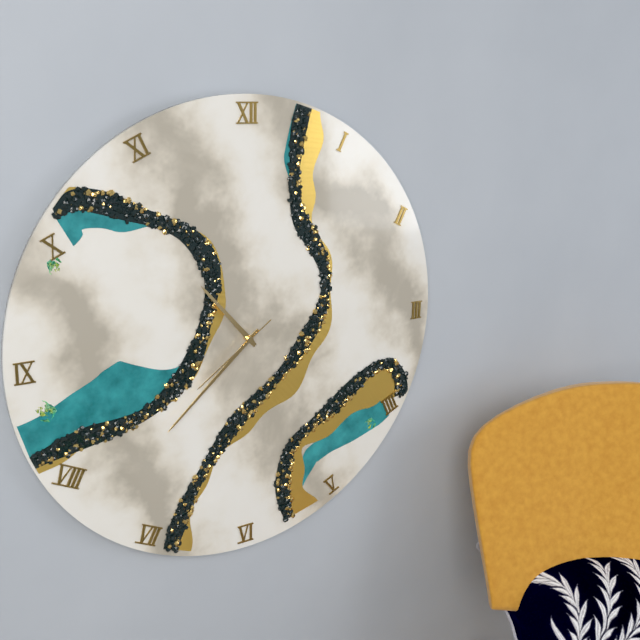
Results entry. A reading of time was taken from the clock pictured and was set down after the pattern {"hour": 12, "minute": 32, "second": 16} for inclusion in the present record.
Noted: {"hour": 10, "minute": 38, "second": 39}
